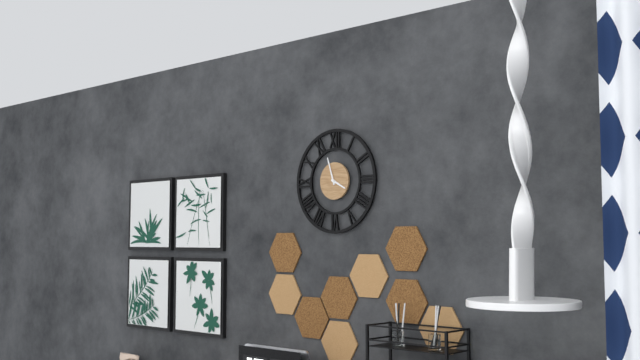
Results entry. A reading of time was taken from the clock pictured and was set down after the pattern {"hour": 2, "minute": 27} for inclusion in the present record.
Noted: {"hour": 3, "minute": 57}
